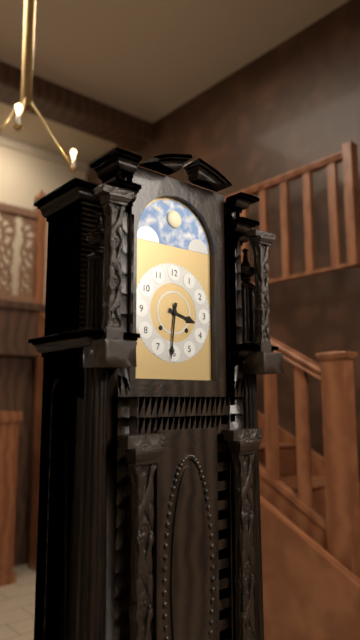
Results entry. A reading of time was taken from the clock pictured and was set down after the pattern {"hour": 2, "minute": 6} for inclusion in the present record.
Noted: {"hour": 3, "minute": 31}
